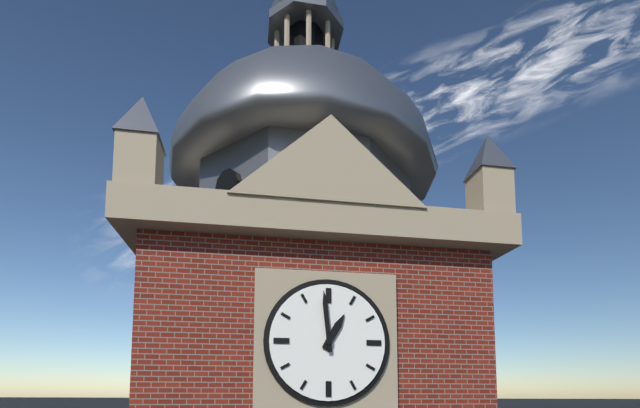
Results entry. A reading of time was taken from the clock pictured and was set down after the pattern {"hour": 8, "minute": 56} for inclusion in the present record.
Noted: {"hour": 12, "minute": 59}
